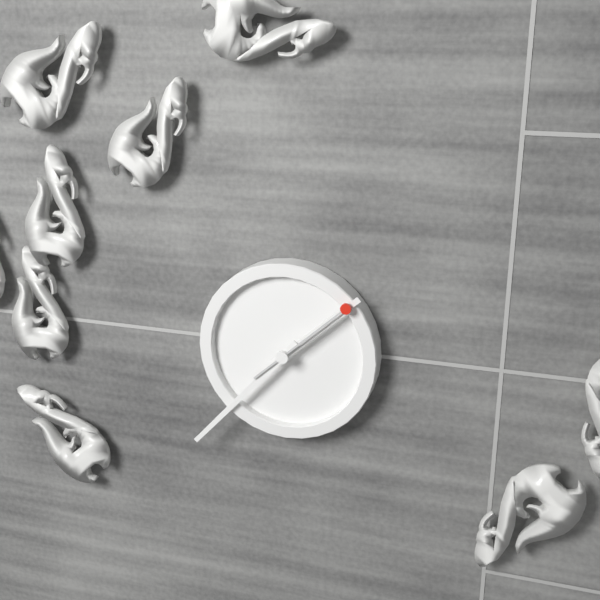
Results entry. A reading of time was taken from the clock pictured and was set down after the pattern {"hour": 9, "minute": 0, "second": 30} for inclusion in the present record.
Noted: {"hour": 1, "minute": 37, "second": 8}
